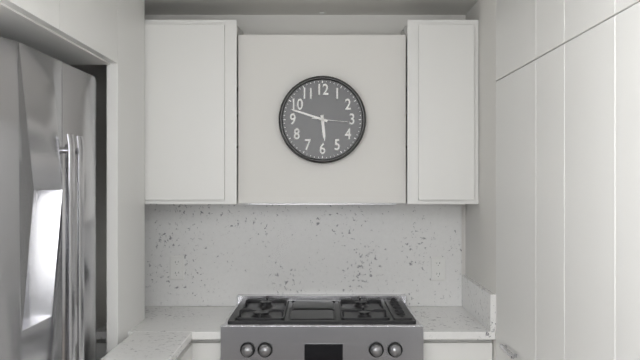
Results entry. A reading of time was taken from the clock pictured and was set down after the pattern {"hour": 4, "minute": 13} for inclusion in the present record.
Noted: {"hour": 5, "minute": 48}
